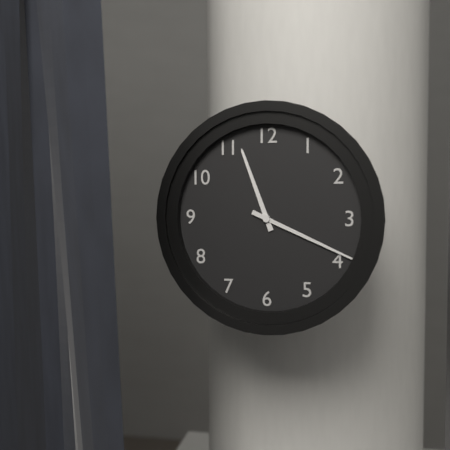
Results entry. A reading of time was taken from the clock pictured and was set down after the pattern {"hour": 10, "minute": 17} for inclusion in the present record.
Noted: {"hour": 11, "minute": 19}
